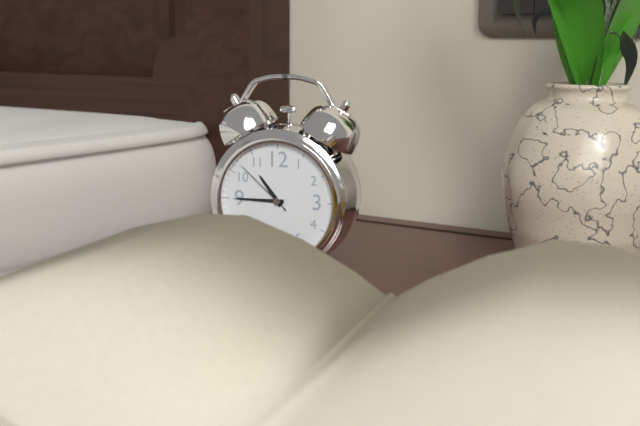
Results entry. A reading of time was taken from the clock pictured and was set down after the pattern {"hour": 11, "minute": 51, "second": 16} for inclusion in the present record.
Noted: {"hour": 10, "minute": 45, "second": 52}
